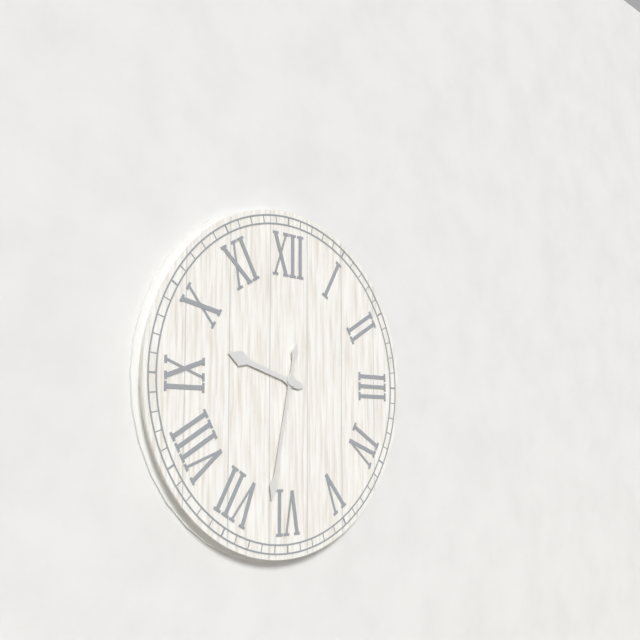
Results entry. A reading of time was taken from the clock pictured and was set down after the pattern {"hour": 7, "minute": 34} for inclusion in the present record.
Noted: {"hour": 9, "minute": 32}
